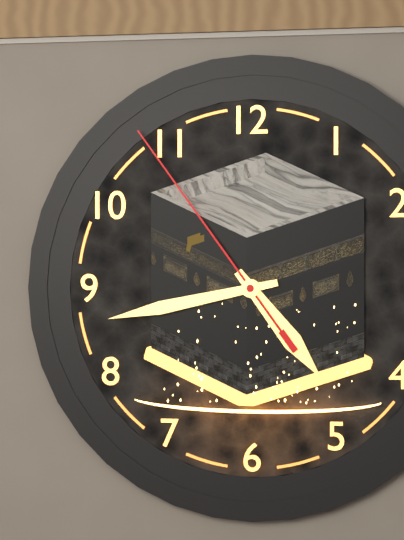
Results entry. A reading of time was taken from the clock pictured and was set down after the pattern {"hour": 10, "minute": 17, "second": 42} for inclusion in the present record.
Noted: {"hour": 4, "minute": 43, "second": 54}
